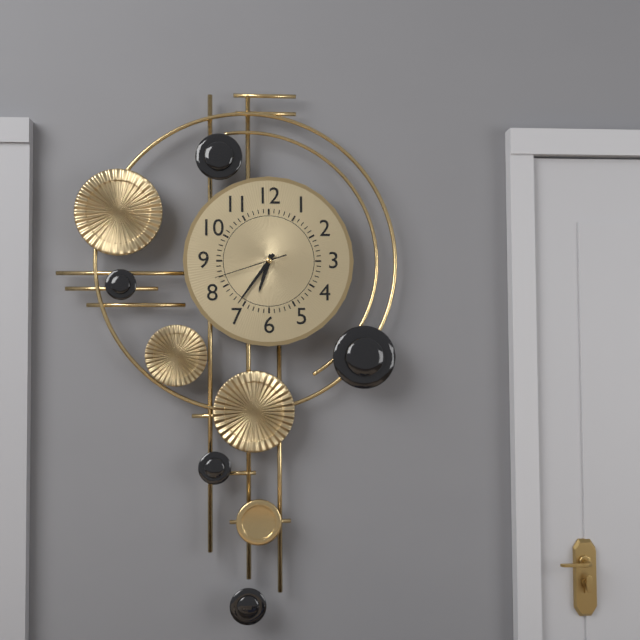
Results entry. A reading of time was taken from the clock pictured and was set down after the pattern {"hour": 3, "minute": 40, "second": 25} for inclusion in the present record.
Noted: {"hour": 6, "minute": 36, "second": 42}
